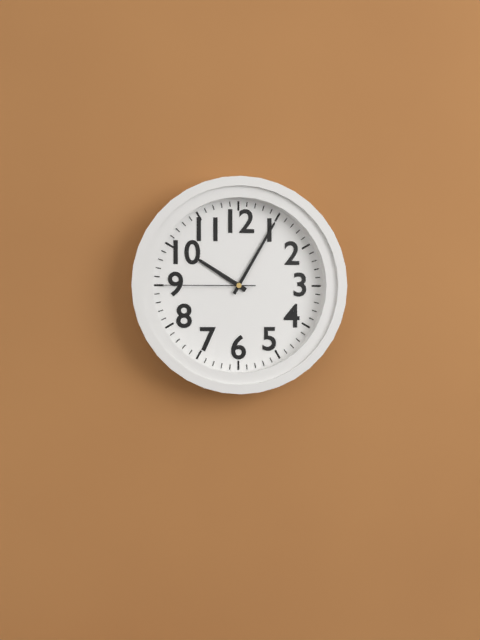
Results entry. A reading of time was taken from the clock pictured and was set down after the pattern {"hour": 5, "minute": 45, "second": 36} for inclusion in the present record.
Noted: {"hour": 10, "minute": 5, "second": 45}
